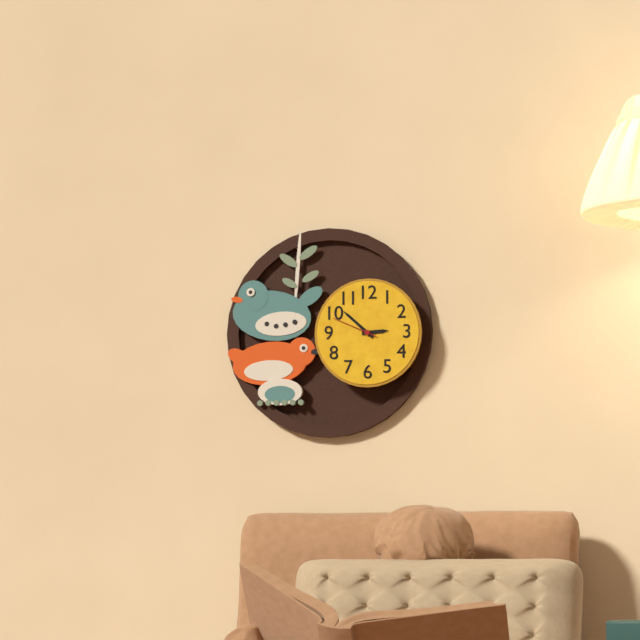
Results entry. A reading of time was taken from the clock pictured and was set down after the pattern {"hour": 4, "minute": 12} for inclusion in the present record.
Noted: {"hour": 2, "minute": 52}
